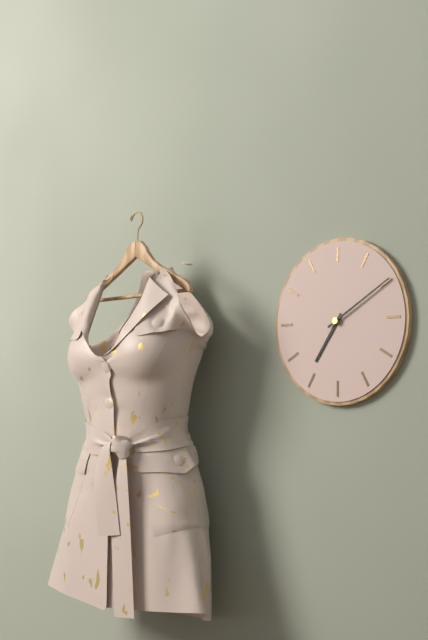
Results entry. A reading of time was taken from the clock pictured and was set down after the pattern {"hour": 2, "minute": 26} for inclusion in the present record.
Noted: {"hour": 7, "minute": 10}
